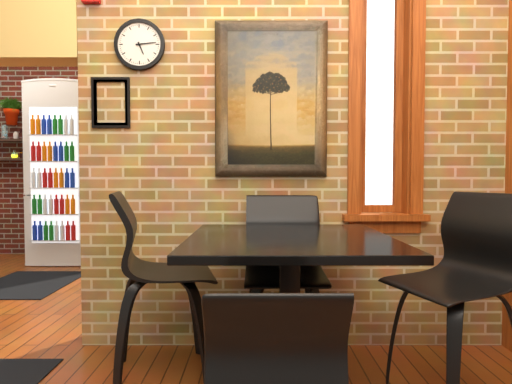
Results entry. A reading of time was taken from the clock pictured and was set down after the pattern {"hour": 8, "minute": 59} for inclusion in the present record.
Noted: {"hour": 5, "minute": 14}
